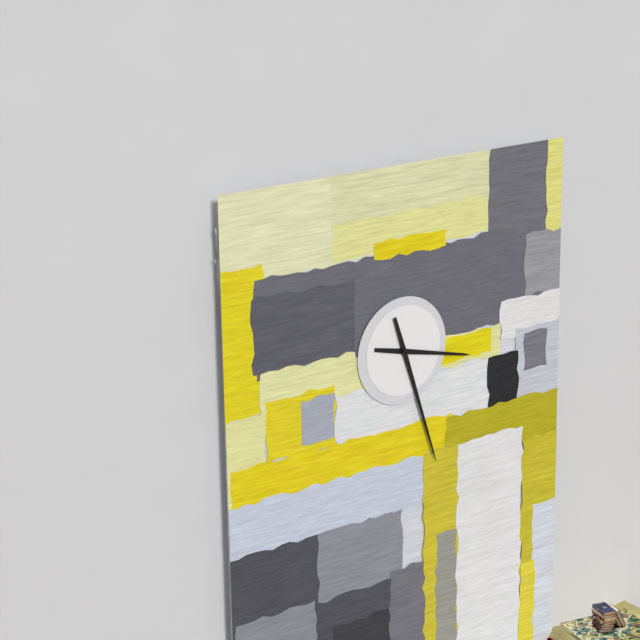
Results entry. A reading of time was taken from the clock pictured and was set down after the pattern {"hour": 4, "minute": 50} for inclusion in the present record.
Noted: {"hour": 3, "minute": 27}
